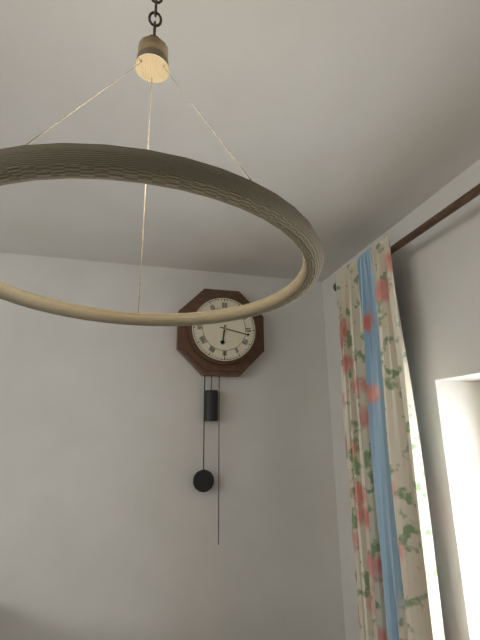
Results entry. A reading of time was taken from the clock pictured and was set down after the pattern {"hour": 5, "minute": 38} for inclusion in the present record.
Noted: {"hour": 6, "minute": 17}
